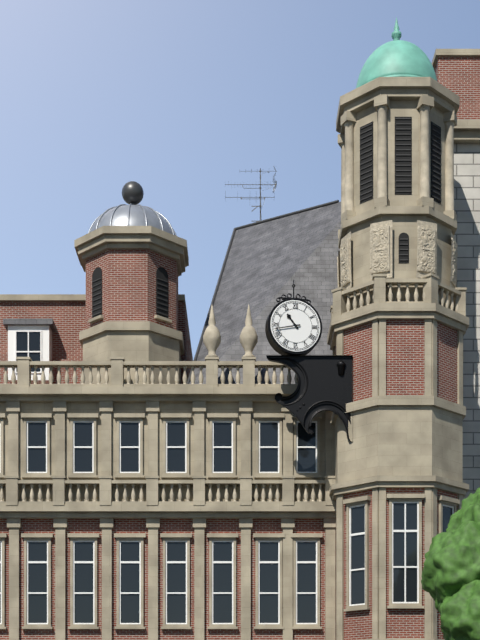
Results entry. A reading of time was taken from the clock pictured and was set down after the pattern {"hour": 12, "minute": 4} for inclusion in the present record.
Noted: {"hour": 10, "minute": 43}
